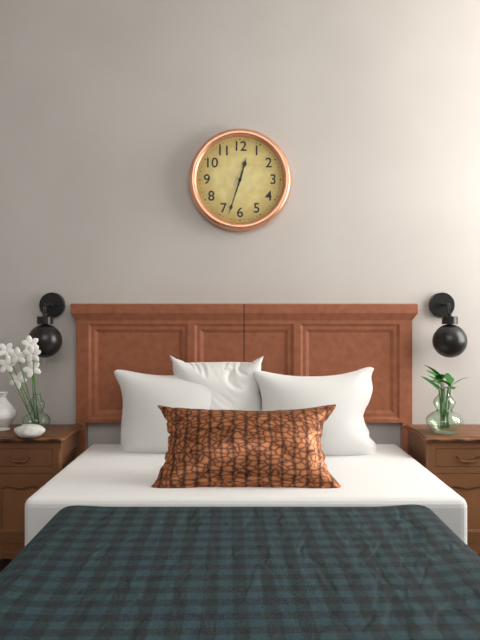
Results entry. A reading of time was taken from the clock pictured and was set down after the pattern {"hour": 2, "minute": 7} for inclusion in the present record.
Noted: {"hour": 12, "minute": 33}
